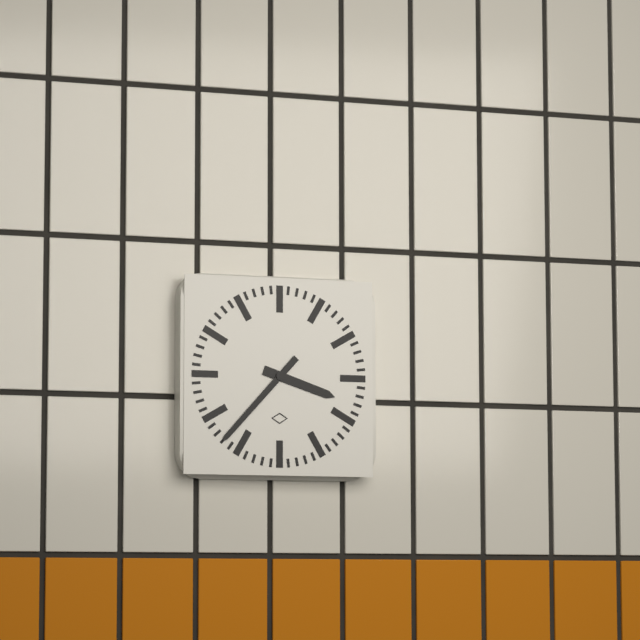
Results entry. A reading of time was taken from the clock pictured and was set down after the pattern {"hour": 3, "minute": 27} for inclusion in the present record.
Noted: {"hour": 3, "minute": 37}
